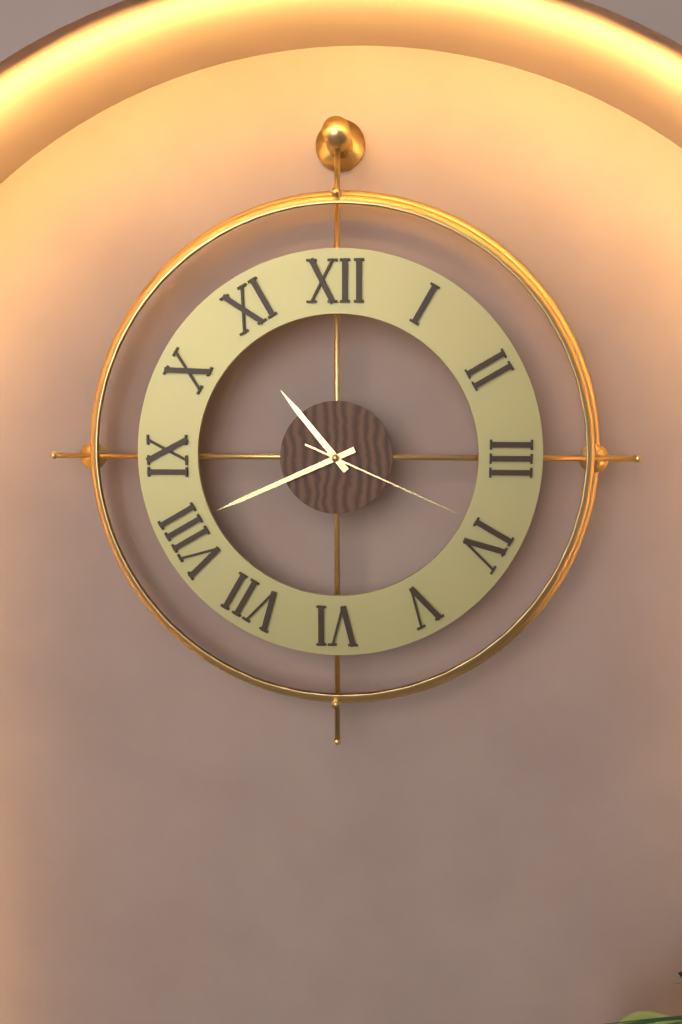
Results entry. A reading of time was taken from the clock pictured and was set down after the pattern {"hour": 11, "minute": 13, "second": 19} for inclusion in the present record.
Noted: {"hour": 10, "minute": 41, "second": 19}
